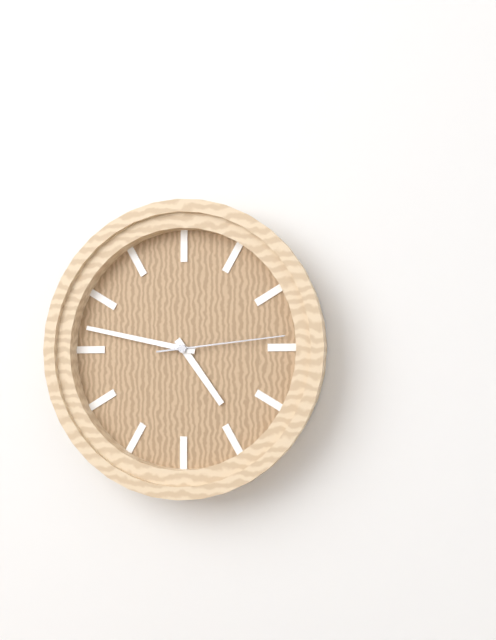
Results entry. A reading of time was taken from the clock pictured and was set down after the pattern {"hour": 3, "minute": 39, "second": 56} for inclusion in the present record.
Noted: {"hour": 4, "minute": 47, "second": 14}
